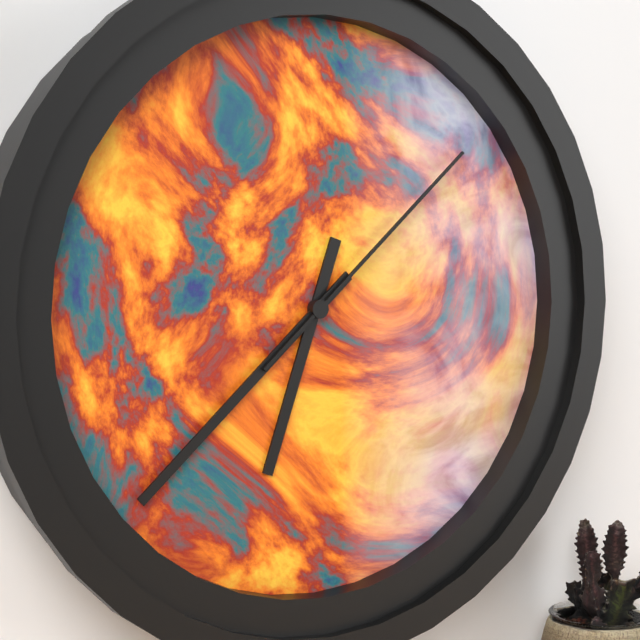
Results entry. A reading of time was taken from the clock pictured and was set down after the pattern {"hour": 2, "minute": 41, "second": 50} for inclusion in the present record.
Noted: {"hour": 6, "minute": 38, "second": 8}
